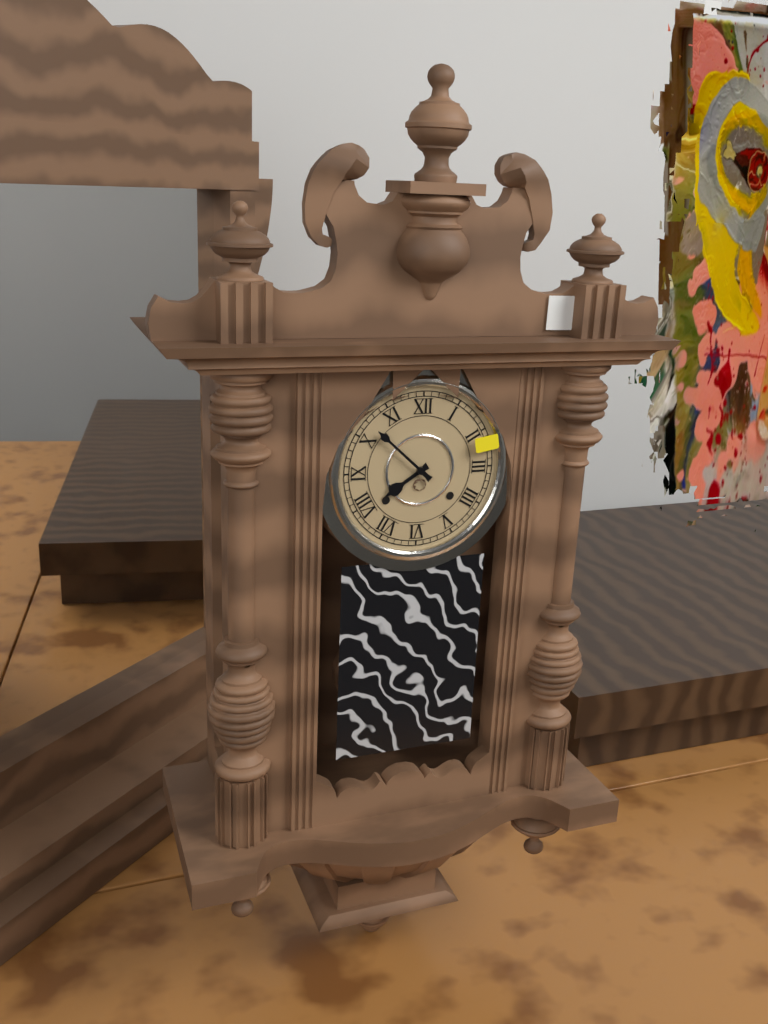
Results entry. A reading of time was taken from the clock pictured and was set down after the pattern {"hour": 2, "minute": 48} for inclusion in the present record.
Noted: {"hour": 7, "minute": 52}
